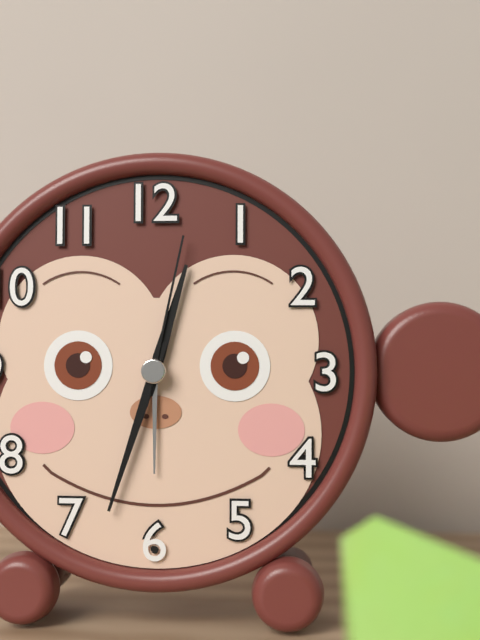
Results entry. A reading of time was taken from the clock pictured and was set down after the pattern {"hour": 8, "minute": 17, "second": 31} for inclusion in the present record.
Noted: {"hour": 12, "minute": 33, "second": 2}
